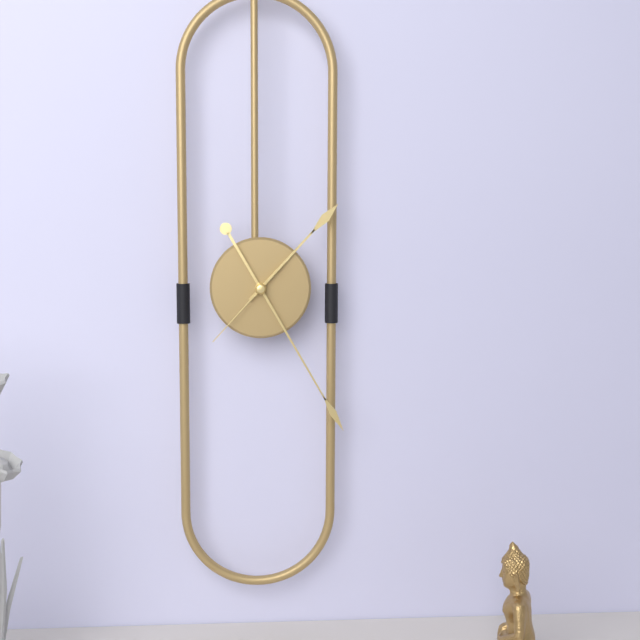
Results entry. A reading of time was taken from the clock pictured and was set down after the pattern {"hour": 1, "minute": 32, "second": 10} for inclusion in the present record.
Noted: {"hour": 1, "minute": 25, "second": 37}
